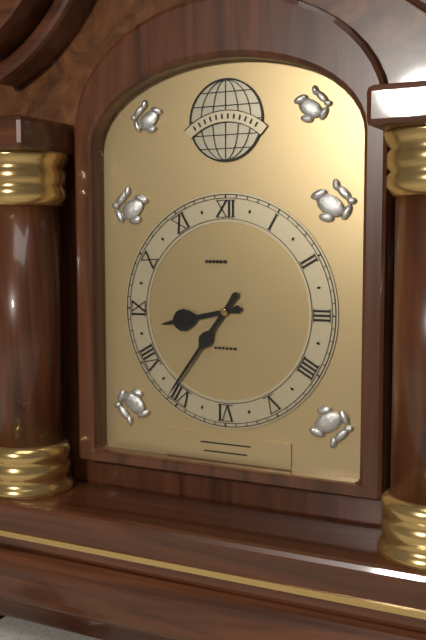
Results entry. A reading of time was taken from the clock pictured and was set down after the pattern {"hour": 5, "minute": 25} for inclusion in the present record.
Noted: {"hour": 8, "minute": 36}
